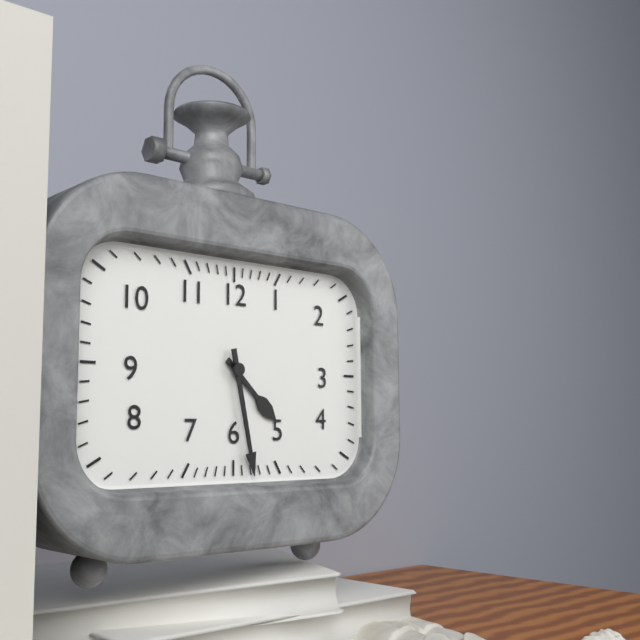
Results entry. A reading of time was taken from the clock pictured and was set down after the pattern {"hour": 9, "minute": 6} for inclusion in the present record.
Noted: {"hour": 4, "minute": 28}
